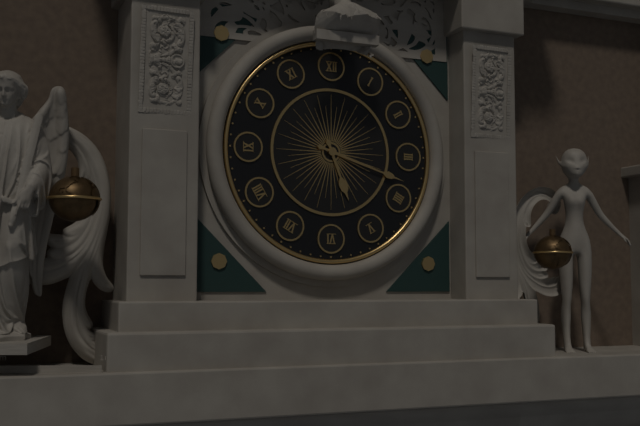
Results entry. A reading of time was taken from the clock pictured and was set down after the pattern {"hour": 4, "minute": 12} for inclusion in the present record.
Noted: {"hour": 5, "minute": 18}
